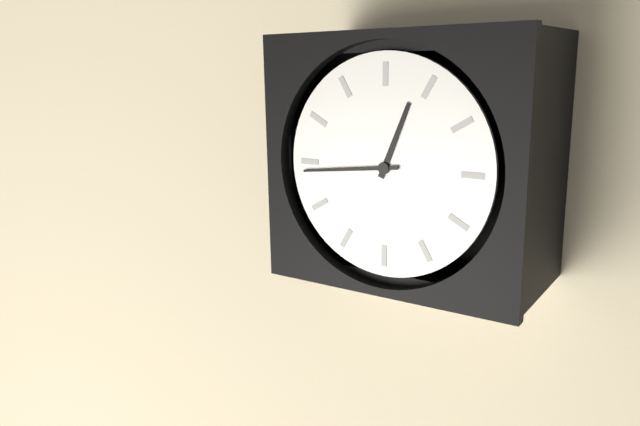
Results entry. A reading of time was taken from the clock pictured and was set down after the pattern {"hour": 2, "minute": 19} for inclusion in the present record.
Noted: {"hour": 12, "minute": 44}
